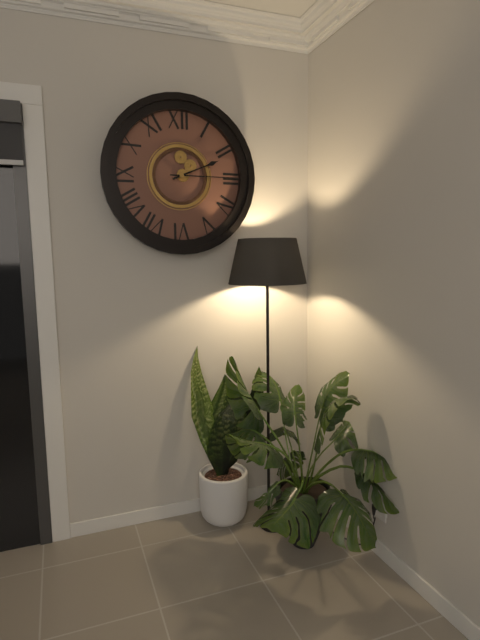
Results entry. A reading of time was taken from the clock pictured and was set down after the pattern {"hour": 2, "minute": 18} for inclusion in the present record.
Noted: {"hour": 2, "minute": 15}
